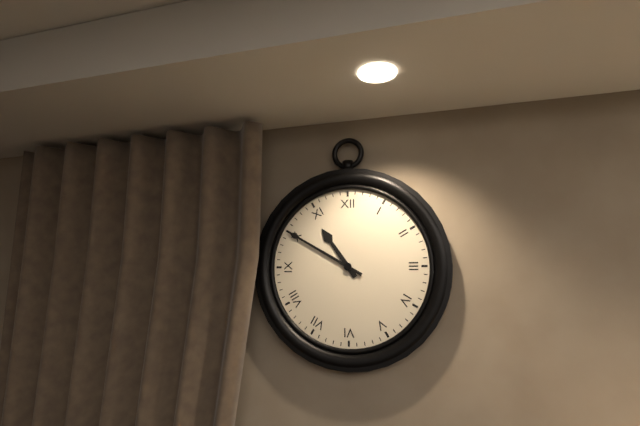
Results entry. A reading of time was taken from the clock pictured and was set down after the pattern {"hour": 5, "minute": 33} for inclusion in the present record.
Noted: {"hour": 10, "minute": 50}
